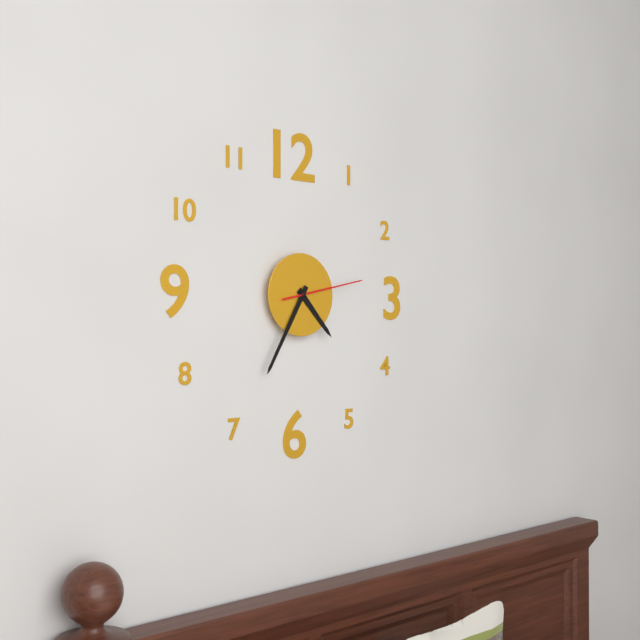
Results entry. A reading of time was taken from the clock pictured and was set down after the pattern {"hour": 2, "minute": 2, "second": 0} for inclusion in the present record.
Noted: {"hour": 4, "minute": 35, "second": 13}
